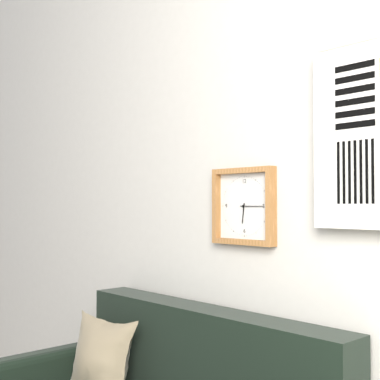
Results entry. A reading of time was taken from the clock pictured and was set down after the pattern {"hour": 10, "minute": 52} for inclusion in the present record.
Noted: {"hour": 6, "minute": 15}
